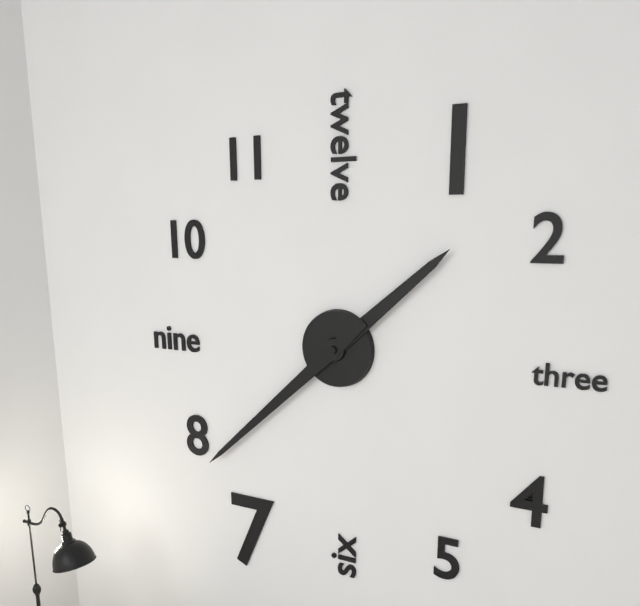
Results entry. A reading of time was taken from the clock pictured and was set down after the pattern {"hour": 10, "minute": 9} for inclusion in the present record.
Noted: {"hour": 1, "minute": 38}
